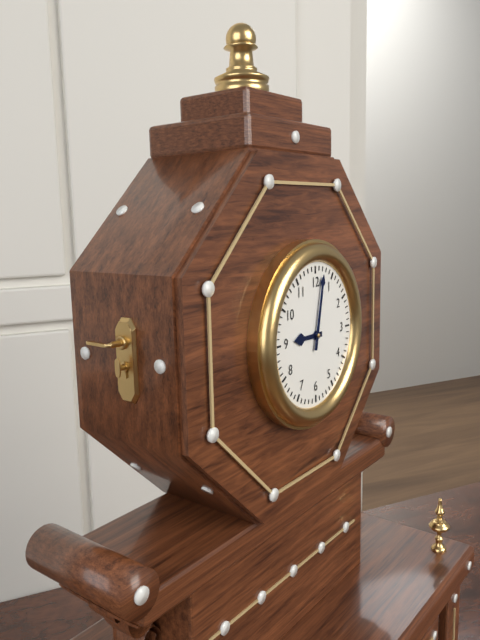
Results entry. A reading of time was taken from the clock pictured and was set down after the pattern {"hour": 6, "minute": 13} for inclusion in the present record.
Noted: {"hour": 9, "minute": 2}
